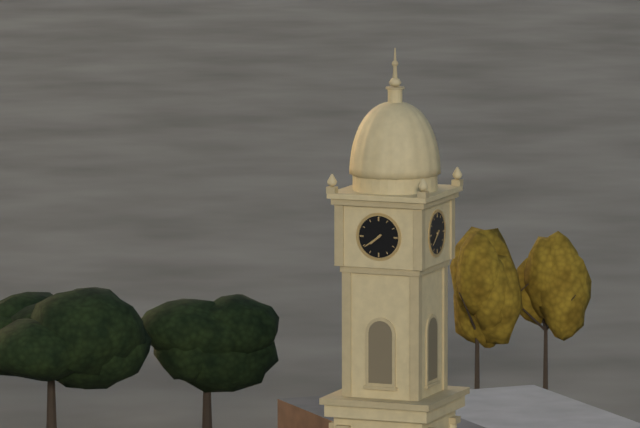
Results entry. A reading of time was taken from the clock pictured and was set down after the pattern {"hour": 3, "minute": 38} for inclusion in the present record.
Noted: {"hour": 7, "minute": 39}
